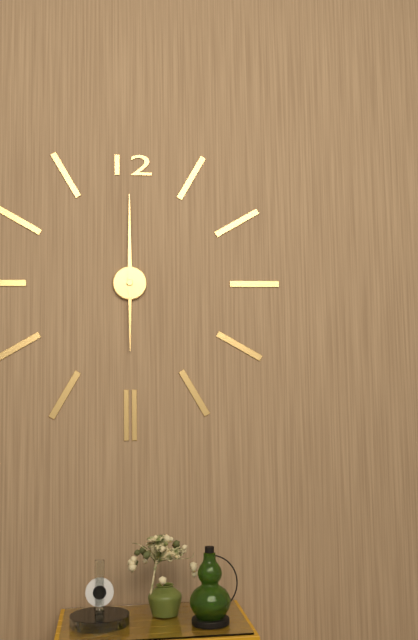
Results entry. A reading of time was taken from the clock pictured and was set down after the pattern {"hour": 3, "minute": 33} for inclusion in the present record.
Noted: {"hour": 6, "minute": 0}
